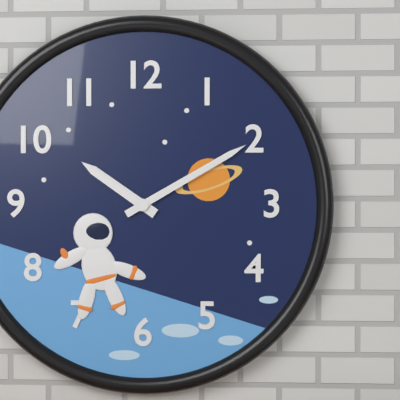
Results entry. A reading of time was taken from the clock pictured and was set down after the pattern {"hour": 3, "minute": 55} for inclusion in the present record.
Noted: {"hour": 10, "minute": 10}
